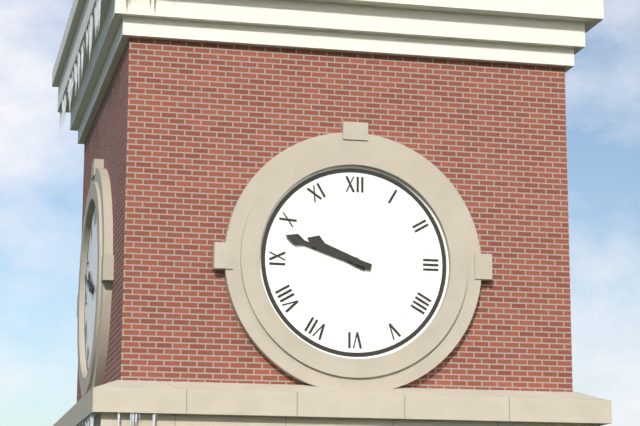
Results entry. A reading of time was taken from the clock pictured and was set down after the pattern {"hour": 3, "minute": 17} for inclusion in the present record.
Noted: {"hour": 9, "minute": 48}
